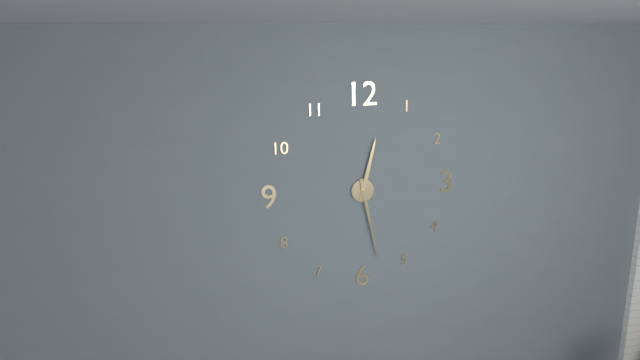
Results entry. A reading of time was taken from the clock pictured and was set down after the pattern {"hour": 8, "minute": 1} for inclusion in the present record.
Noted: {"hour": 12, "minute": 28}
